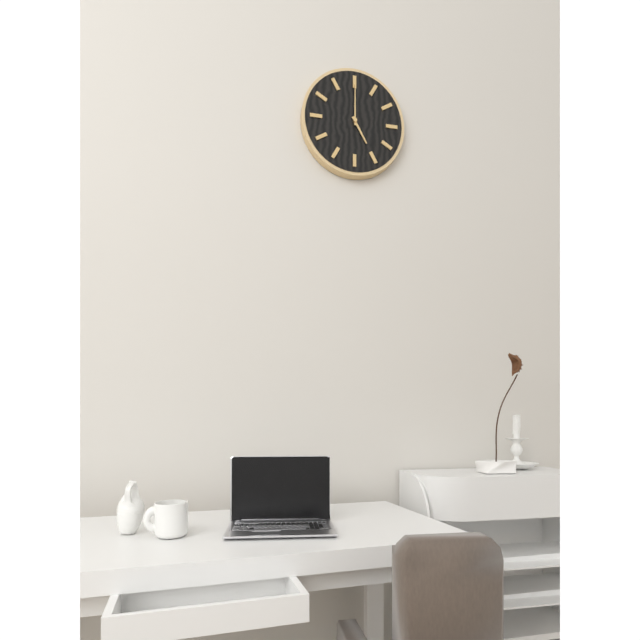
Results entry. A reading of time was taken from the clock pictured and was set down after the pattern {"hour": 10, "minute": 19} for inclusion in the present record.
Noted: {"hour": 5, "minute": 0}
